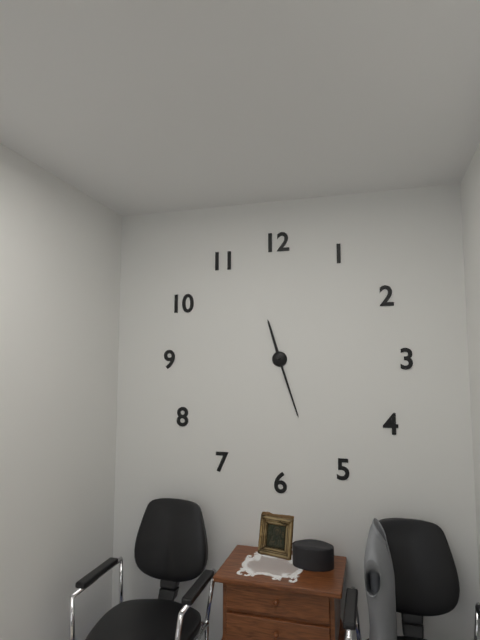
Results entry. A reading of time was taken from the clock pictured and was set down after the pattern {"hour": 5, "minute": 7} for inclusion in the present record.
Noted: {"hour": 11, "minute": 27}
